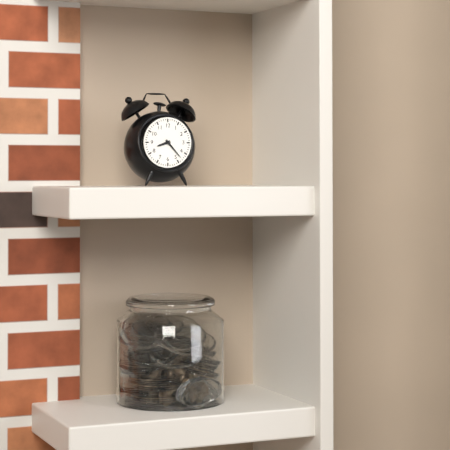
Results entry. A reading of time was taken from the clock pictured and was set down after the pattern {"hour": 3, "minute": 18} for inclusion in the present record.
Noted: {"hour": 8, "minute": 23}
